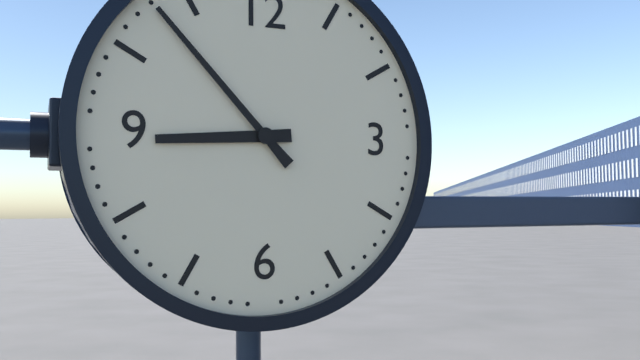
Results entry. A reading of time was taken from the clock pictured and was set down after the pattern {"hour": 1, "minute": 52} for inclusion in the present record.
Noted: {"hour": 8, "minute": 53}
